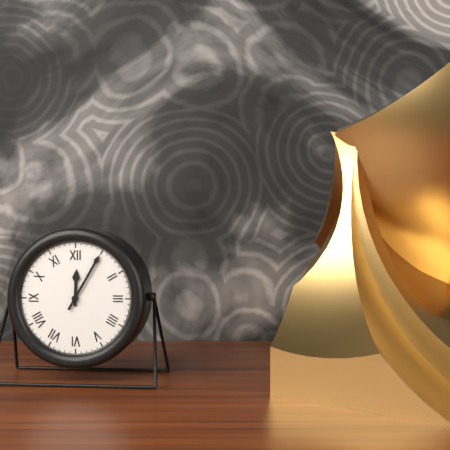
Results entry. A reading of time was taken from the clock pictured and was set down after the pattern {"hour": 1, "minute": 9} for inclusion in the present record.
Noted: {"hour": 12, "minute": 5}
